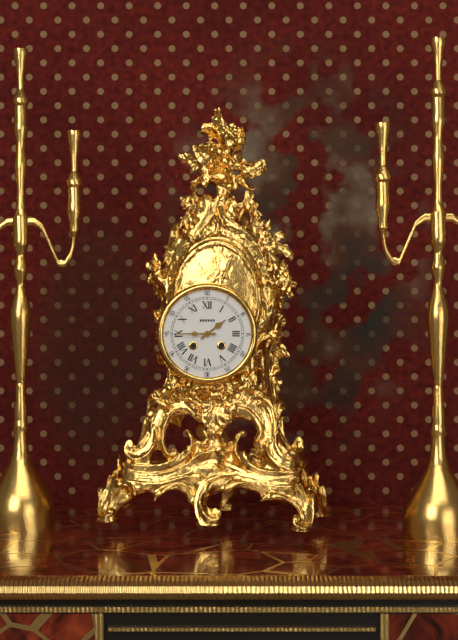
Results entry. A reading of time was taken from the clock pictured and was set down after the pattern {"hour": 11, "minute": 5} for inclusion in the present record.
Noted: {"hour": 1, "minute": 45}
